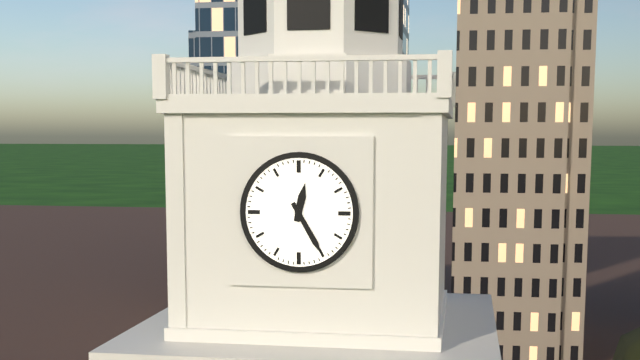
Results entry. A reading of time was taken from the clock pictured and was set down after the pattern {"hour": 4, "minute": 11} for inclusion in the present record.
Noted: {"hour": 12, "minute": 25}
